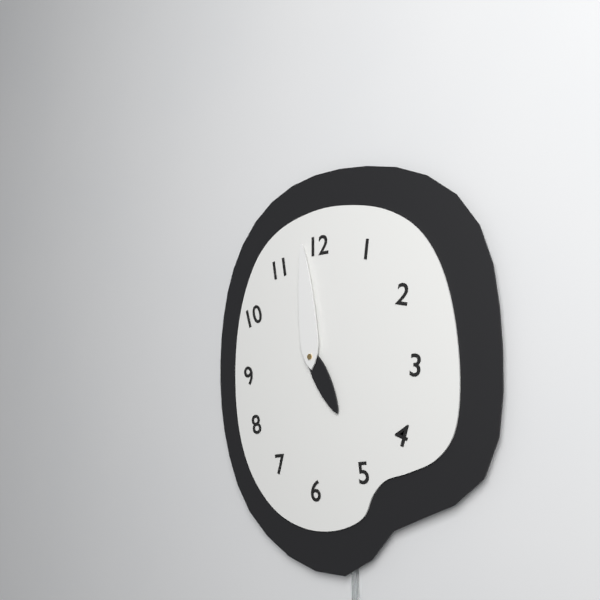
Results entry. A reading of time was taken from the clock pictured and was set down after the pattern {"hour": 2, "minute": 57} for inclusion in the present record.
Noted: {"hour": 4, "minute": 59}
